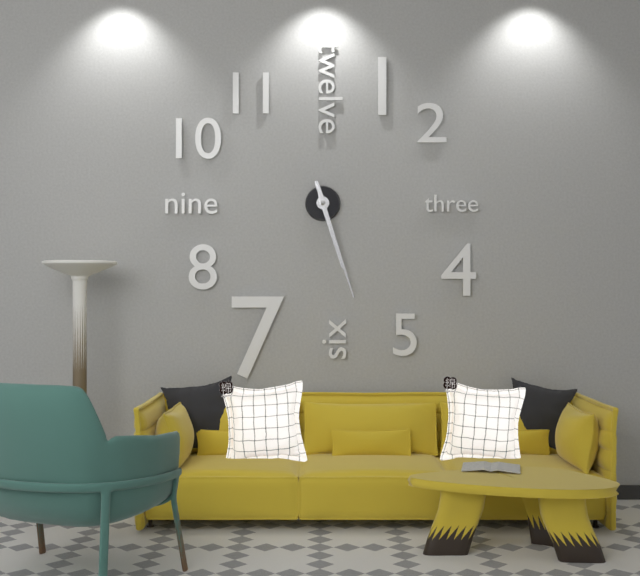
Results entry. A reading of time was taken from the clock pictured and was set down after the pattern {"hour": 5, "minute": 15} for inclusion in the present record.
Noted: {"hour": 5, "minute": 27}
